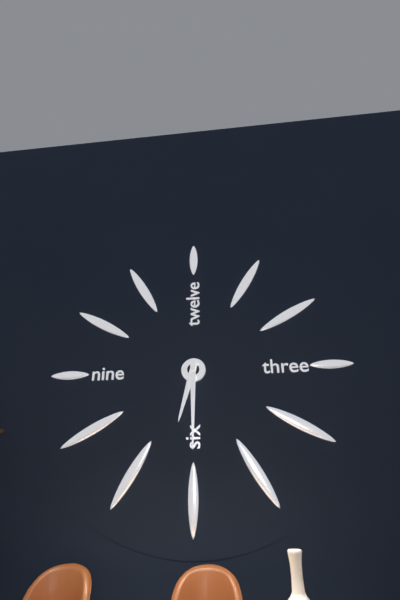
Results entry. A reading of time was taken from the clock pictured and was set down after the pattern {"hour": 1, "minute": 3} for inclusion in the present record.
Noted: {"hour": 6, "minute": 30}
